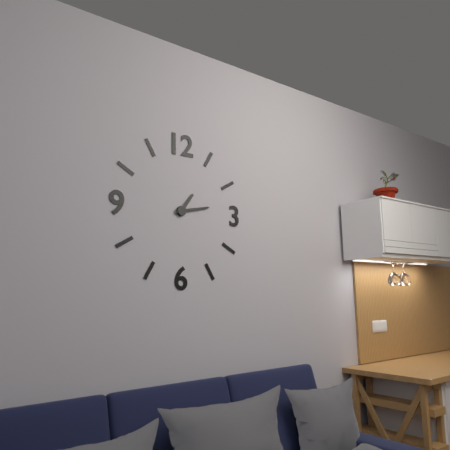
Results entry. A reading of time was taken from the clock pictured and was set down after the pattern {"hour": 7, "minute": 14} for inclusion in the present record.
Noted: {"hour": 1, "minute": 13}
